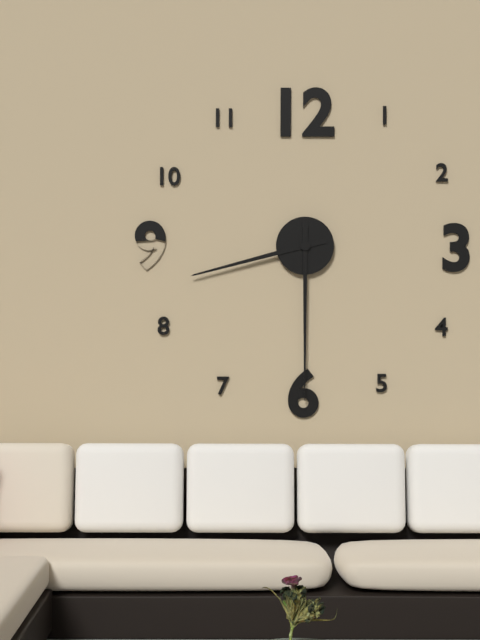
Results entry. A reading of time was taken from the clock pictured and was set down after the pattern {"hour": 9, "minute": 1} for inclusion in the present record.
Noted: {"hour": 8, "minute": 30}
